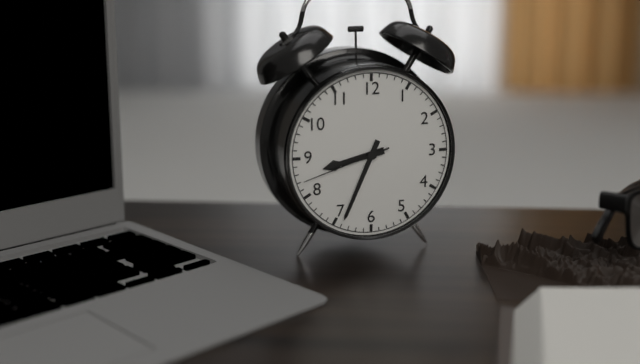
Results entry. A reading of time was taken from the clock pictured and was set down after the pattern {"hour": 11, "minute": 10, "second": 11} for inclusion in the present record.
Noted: {"hour": 8, "minute": 34, "second": 42}
